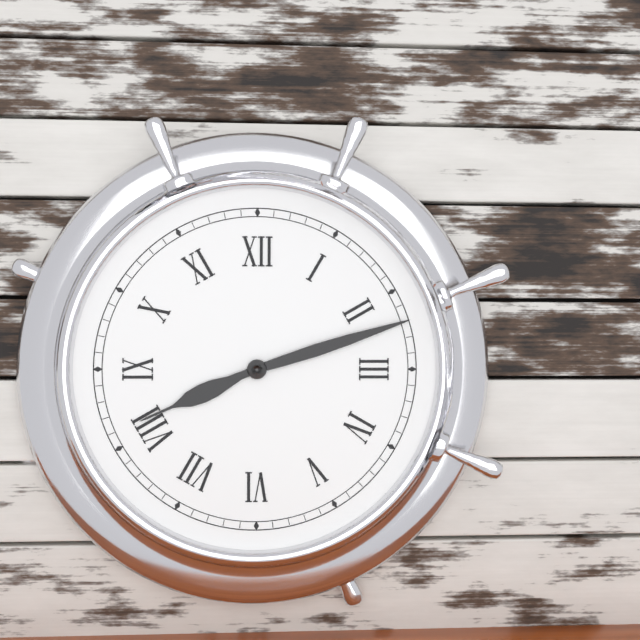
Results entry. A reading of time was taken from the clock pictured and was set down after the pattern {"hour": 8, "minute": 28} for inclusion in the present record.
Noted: {"hour": 8, "minute": 12}
